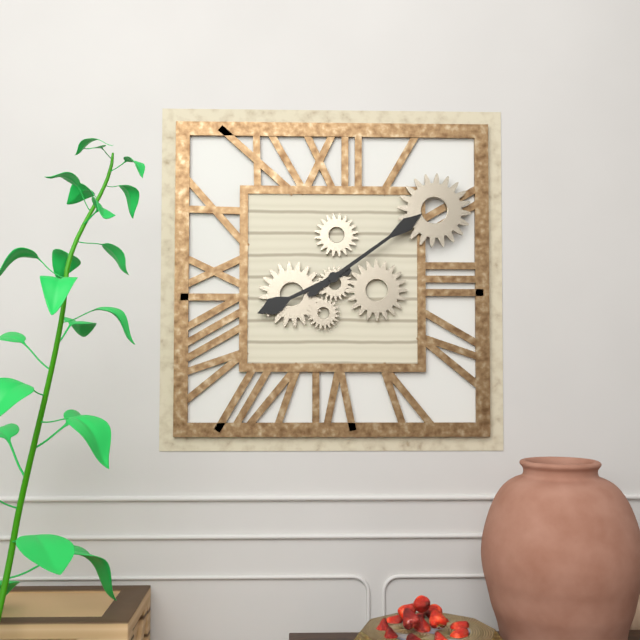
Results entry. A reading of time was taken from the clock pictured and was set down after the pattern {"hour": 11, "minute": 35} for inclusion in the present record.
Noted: {"hour": 8, "minute": 9}
